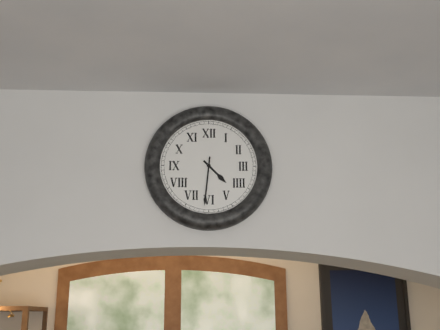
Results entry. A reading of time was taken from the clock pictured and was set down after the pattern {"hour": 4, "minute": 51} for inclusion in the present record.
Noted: {"hour": 4, "minute": 31}
